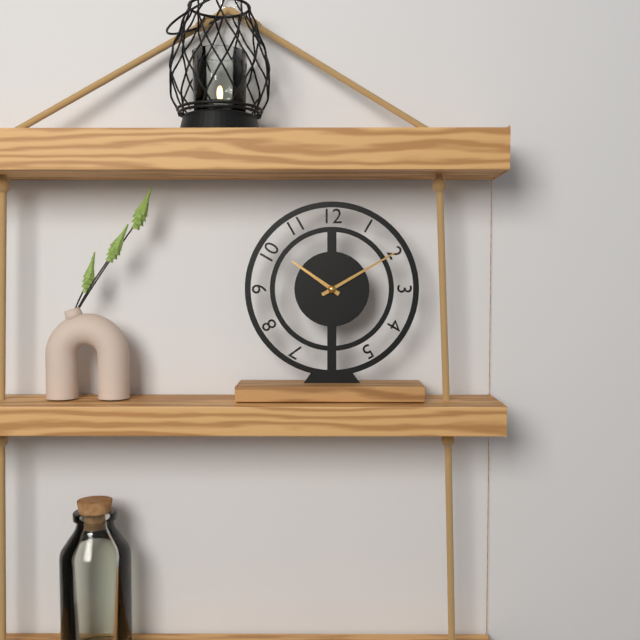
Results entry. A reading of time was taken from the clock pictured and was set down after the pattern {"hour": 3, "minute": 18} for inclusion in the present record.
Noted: {"hour": 10, "minute": 10}
